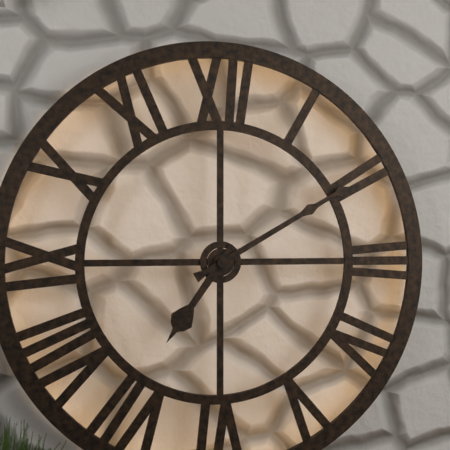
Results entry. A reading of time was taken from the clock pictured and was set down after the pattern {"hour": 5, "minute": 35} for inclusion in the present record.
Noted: {"hour": 7, "minute": 10}
